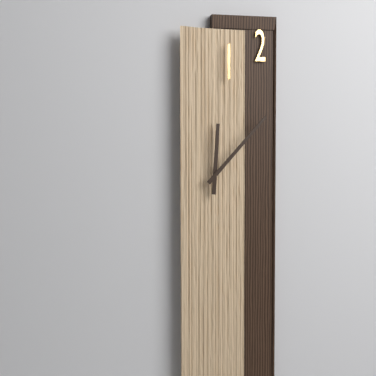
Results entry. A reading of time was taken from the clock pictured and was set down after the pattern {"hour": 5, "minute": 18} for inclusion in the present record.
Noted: {"hour": 12, "minute": 7}
